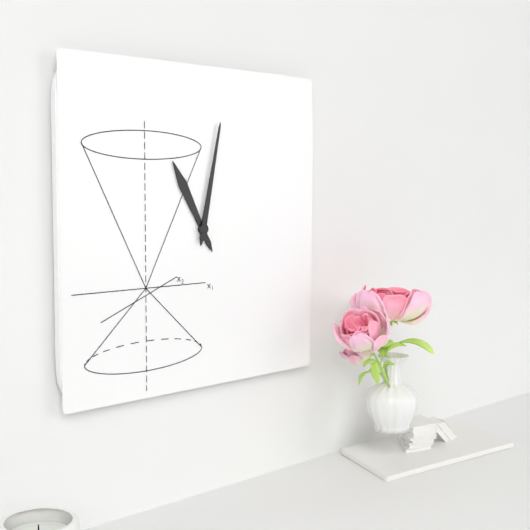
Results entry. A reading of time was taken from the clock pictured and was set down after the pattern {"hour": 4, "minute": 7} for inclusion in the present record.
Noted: {"hour": 11, "minute": 2}
